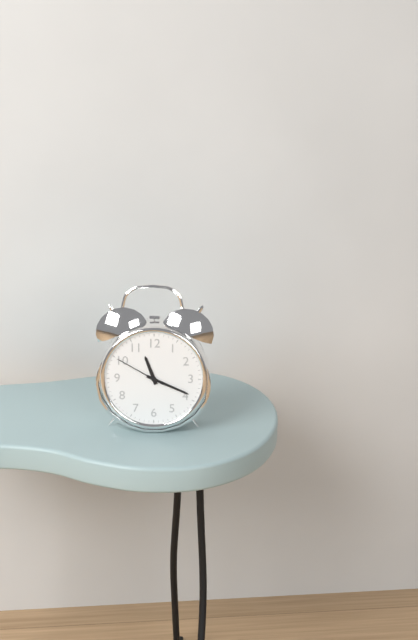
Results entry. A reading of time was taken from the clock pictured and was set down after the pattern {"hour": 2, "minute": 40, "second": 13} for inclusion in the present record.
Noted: {"hour": 11, "minute": 19, "second": 50}
